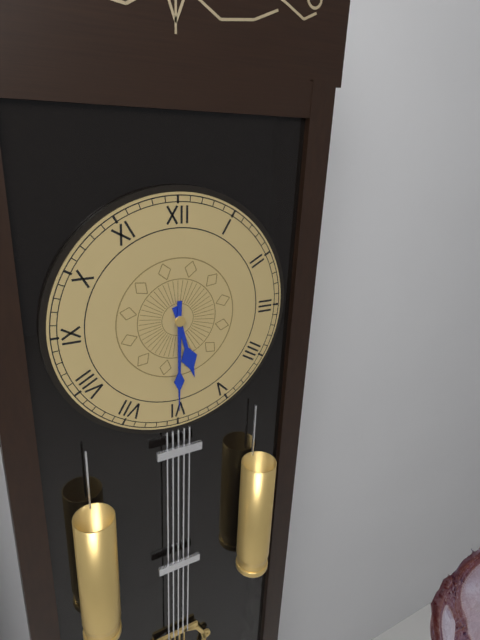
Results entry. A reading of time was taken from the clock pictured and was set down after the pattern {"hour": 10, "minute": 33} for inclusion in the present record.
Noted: {"hour": 5, "minute": 30}
